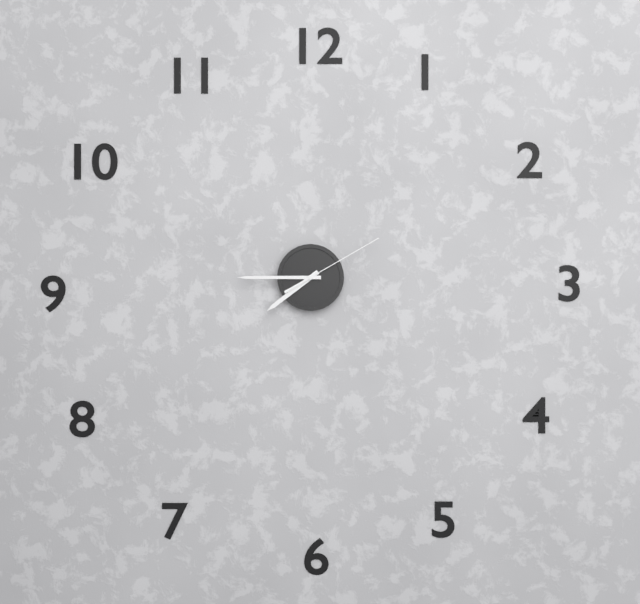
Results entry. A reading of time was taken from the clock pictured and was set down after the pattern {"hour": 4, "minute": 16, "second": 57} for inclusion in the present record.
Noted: {"hour": 7, "minute": 45, "second": 10}
